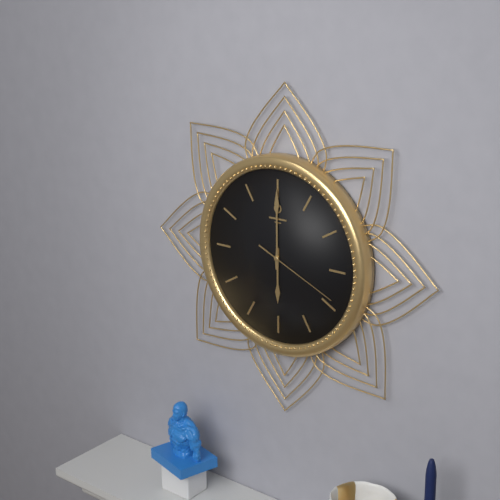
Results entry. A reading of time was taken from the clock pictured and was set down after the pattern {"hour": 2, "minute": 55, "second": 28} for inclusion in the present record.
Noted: {"hour": 6, "minute": 0, "second": 19}
